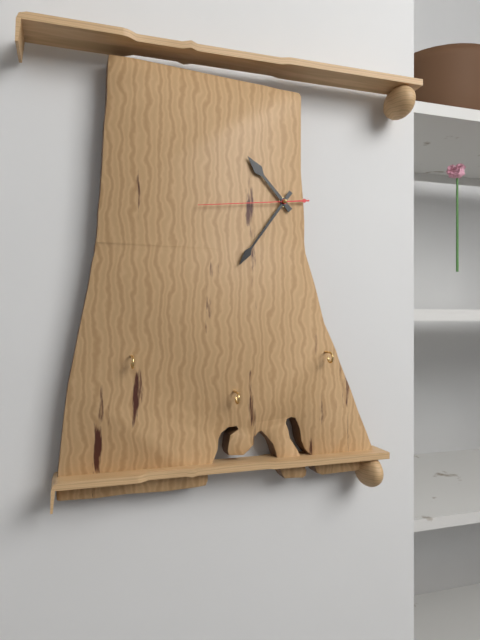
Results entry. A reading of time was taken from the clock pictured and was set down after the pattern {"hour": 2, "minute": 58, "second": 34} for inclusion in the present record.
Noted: {"hour": 10, "minute": 36, "second": 44}
